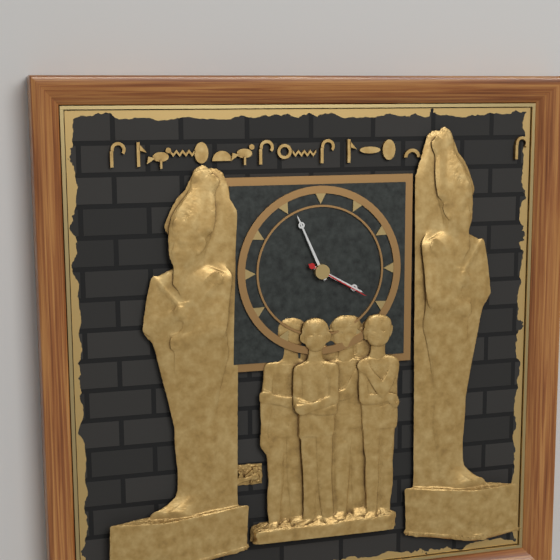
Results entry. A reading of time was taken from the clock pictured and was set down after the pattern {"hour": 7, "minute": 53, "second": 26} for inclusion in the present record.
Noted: {"hour": 3, "minute": 56, "second": 20}
